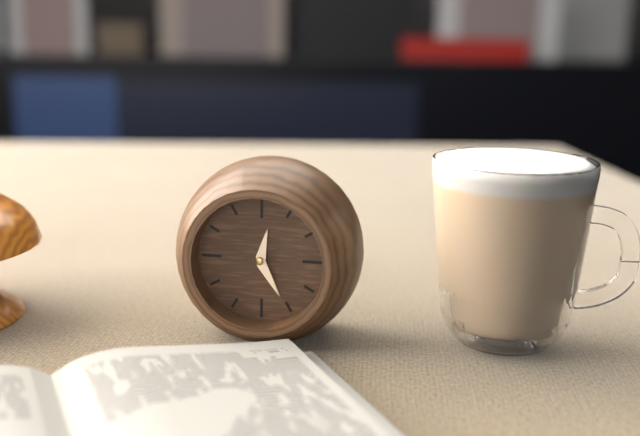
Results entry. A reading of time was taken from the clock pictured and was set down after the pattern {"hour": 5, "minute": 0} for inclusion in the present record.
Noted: {"hour": 12, "minute": 25}
